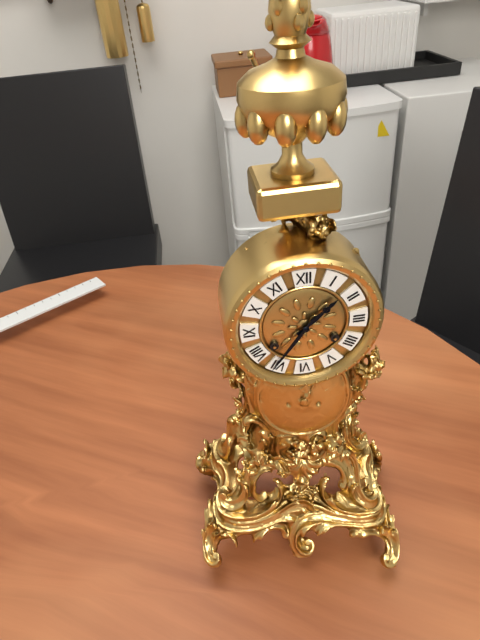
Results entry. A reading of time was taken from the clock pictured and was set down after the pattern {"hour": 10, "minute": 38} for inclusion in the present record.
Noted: {"hour": 1, "minute": 36}
